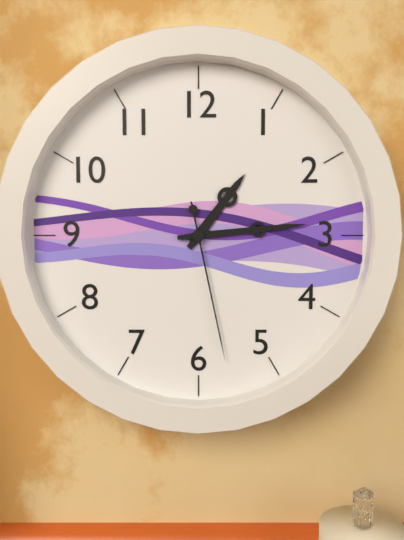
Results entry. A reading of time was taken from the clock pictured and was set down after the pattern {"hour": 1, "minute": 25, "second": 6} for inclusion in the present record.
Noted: {"hour": 1, "minute": 14, "second": 28}
